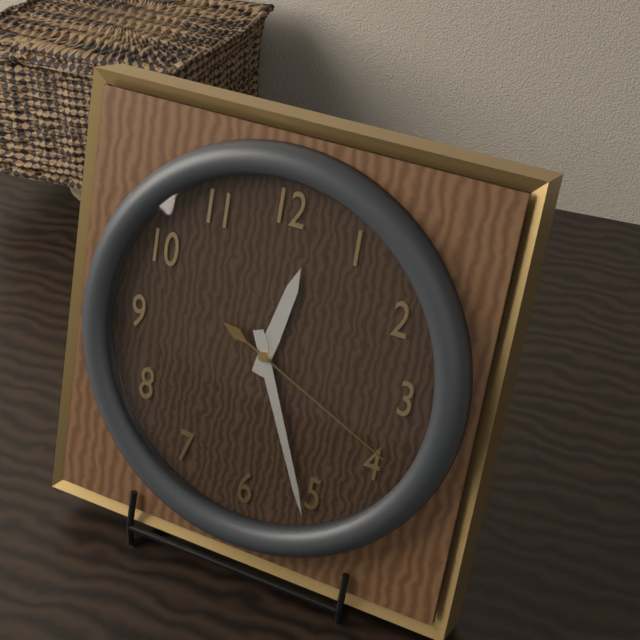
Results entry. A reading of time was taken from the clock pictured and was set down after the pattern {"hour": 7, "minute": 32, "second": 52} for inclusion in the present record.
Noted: {"hour": 12, "minute": 26, "second": 19}
